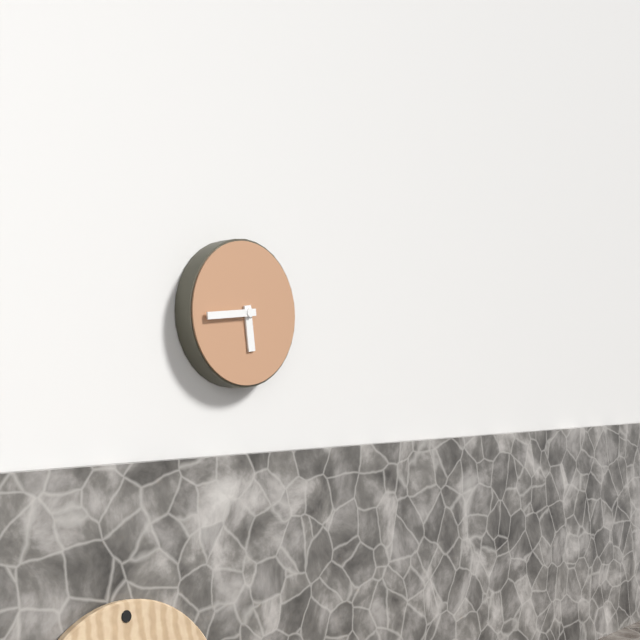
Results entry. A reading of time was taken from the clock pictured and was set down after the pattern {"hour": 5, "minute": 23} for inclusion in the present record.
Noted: {"hour": 5, "minute": 44}
